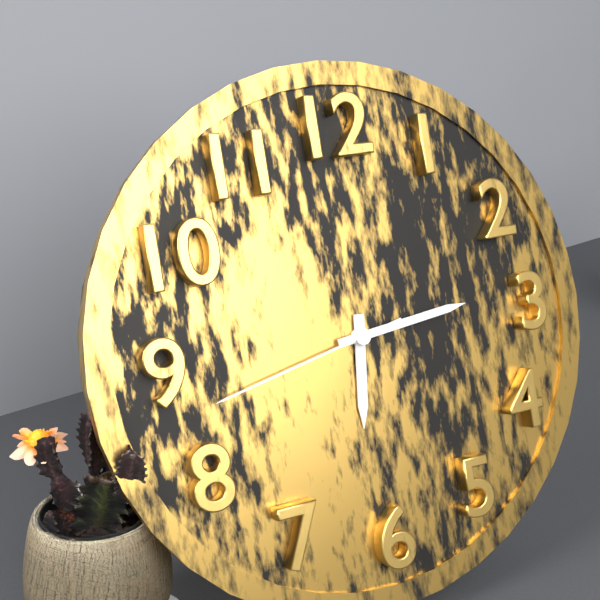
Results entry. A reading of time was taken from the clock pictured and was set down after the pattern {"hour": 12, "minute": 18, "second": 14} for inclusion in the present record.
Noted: {"hour": 6, "minute": 14, "second": 43}
